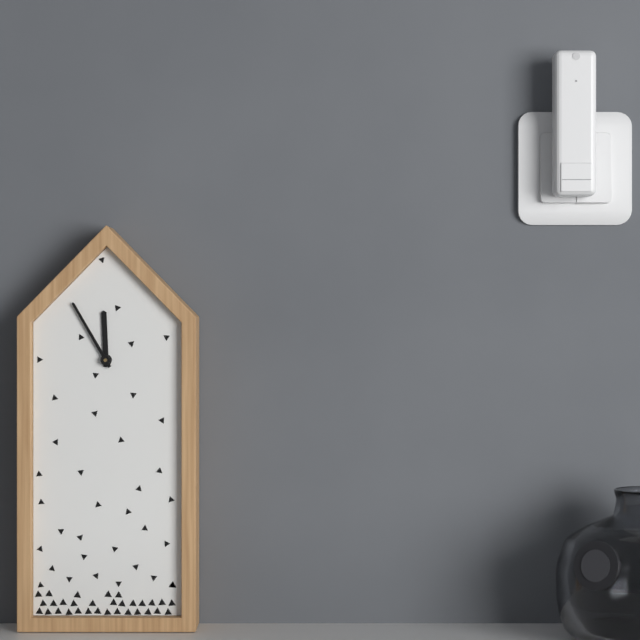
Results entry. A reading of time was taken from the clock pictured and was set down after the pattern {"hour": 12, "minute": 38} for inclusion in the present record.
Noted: {"hour": 11, "minute": 55}
